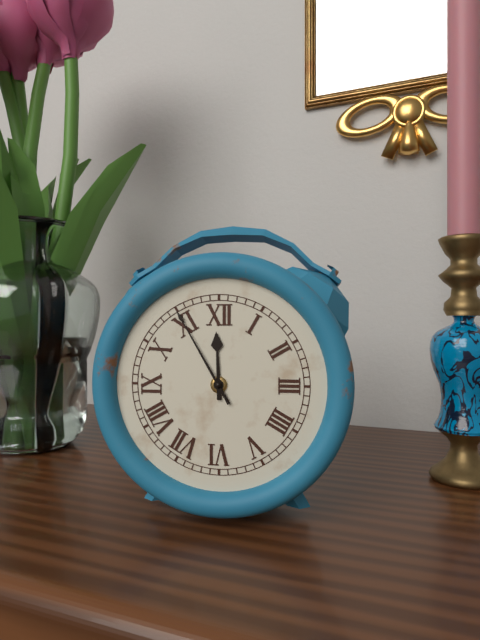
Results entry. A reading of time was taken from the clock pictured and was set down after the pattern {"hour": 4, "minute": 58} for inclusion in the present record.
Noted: {"hour": 11, "minute": 55}
